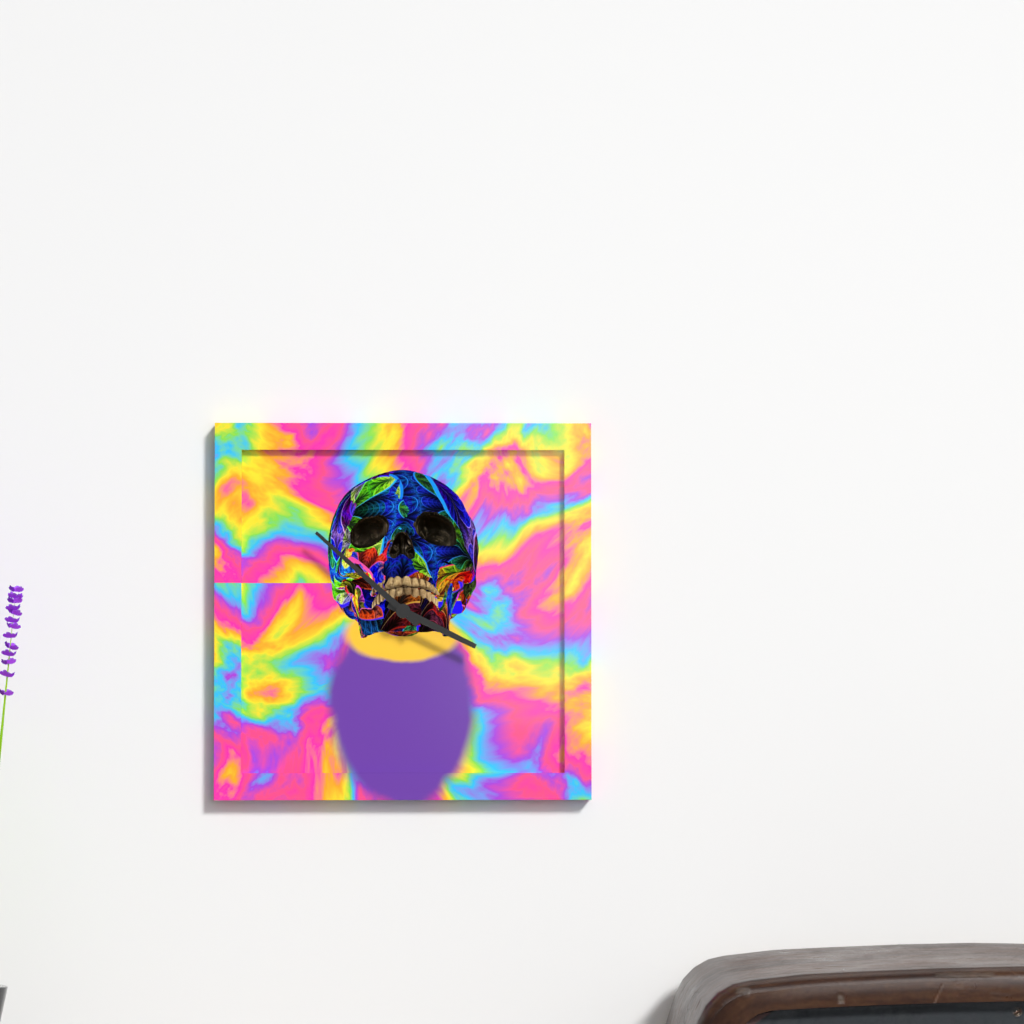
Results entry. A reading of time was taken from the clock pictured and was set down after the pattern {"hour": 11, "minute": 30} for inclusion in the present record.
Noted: {"hour": 3, "minute": 52}
